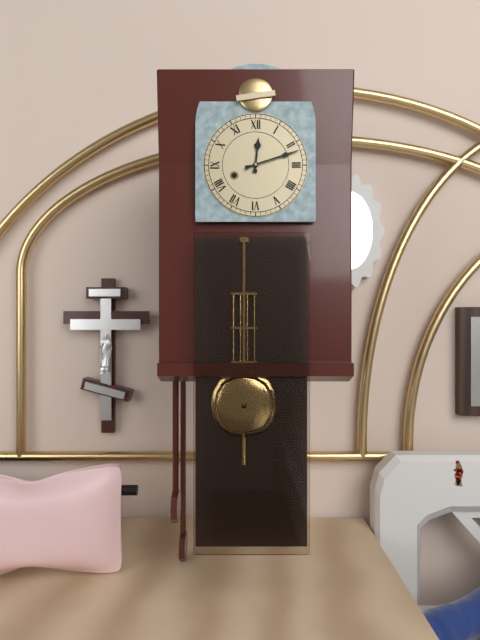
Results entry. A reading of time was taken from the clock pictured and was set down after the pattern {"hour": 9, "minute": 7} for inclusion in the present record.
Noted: {"hour": 12, "minute": 12}
